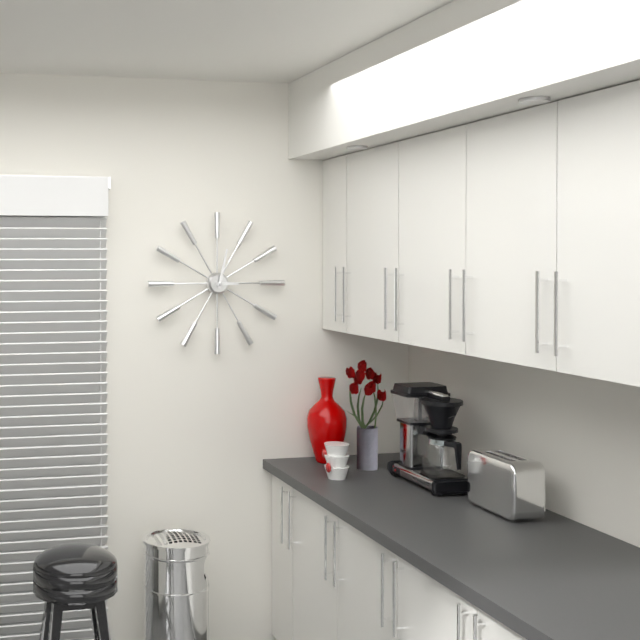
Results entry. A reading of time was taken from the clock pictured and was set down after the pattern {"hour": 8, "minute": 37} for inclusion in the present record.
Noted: {"hour": 3, "minute": 2}
